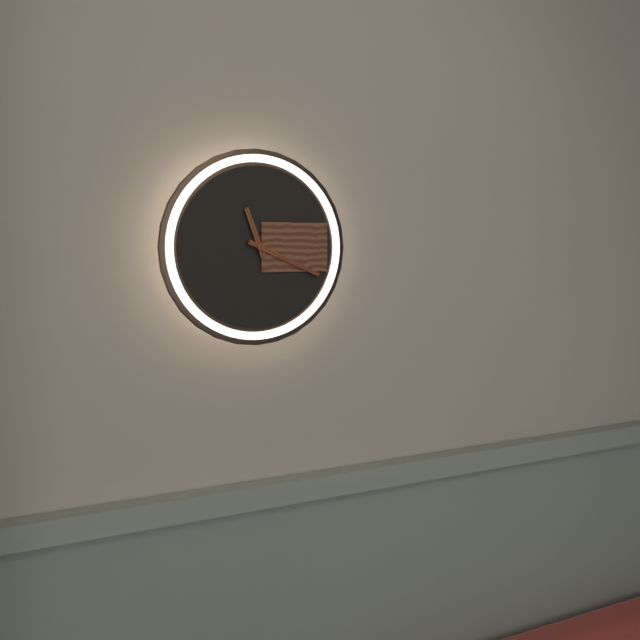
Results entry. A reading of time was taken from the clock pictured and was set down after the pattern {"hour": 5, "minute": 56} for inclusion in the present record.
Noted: {"hour": 11, "minute": 19}
